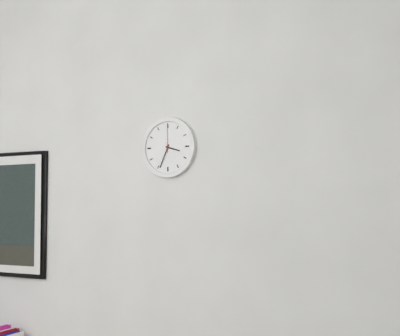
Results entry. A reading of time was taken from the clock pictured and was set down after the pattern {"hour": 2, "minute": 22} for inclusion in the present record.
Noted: {"hour": 3, "minute": 34}
